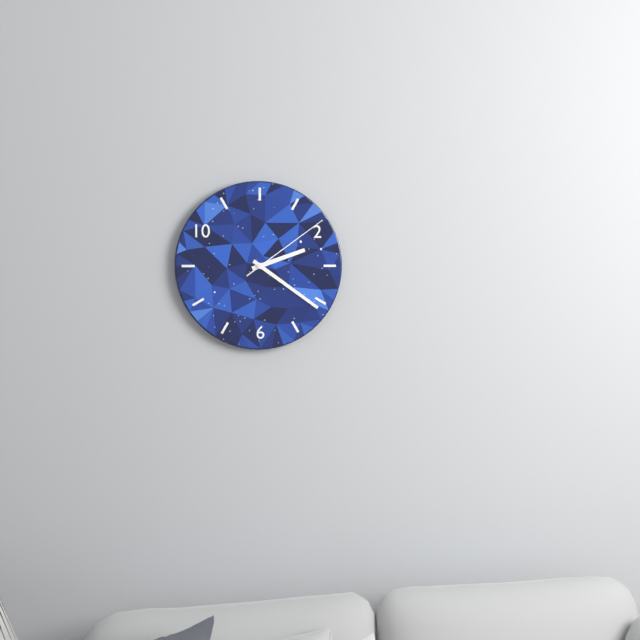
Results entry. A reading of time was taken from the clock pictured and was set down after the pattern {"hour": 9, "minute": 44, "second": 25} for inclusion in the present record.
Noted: {"hour": 2, "minute": 21, "second": 9}
